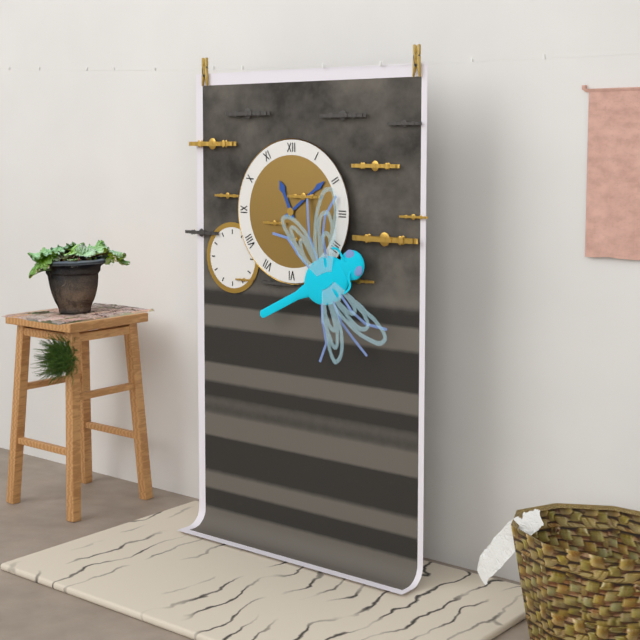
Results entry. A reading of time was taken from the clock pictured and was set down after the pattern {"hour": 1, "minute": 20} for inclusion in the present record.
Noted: {"hour": 11, "minute": 9}
